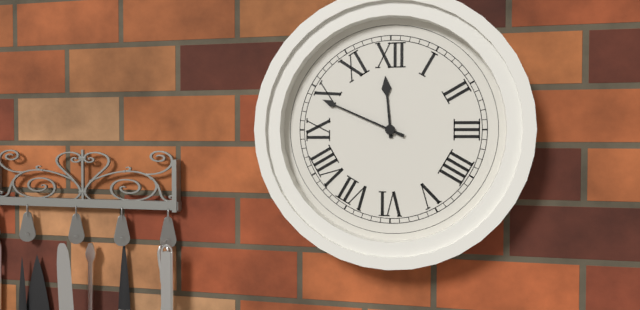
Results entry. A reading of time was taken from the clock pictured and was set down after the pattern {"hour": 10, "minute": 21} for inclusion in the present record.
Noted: {"hour": 11, "minute": 49}
